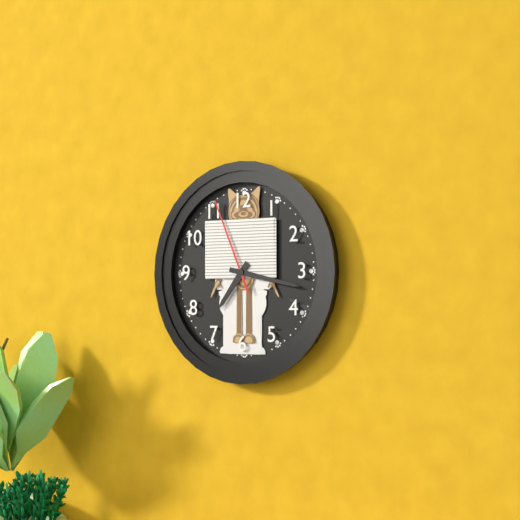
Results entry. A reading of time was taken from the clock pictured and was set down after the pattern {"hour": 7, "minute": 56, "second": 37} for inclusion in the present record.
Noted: {"hour": 7, "minute": 17, "second": 56}
